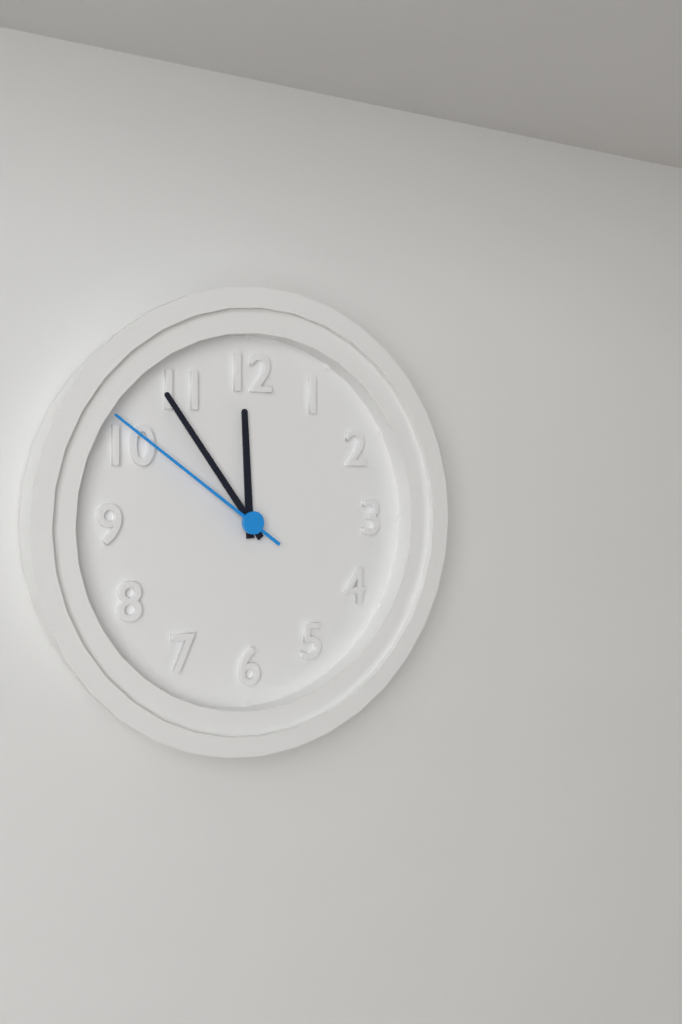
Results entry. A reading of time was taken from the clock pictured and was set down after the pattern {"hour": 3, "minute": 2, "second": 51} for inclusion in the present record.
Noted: {"hour": 11, "minute": 54, "second": 51}
